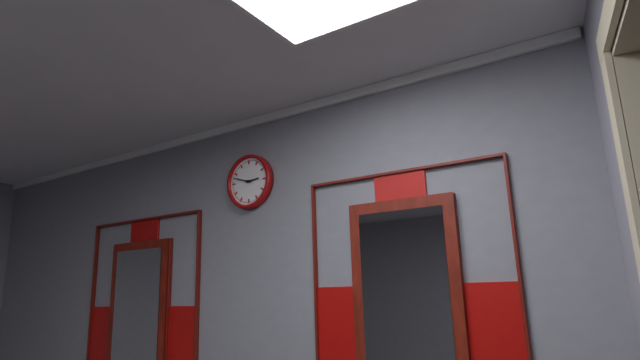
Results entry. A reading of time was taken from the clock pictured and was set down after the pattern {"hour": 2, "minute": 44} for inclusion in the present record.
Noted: {"hour": 2, "minute": 48}
